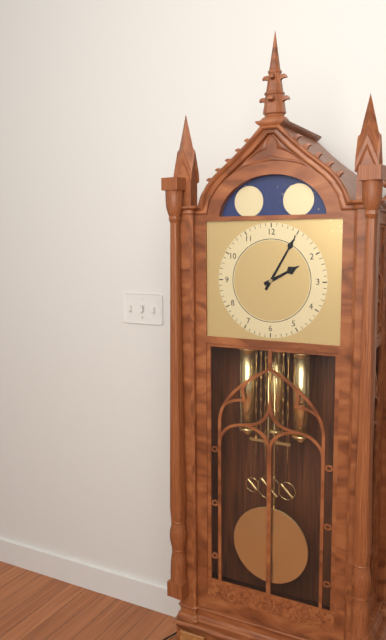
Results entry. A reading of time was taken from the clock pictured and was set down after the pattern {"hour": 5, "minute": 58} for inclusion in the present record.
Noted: {"hour": 2, "minute": 5}
